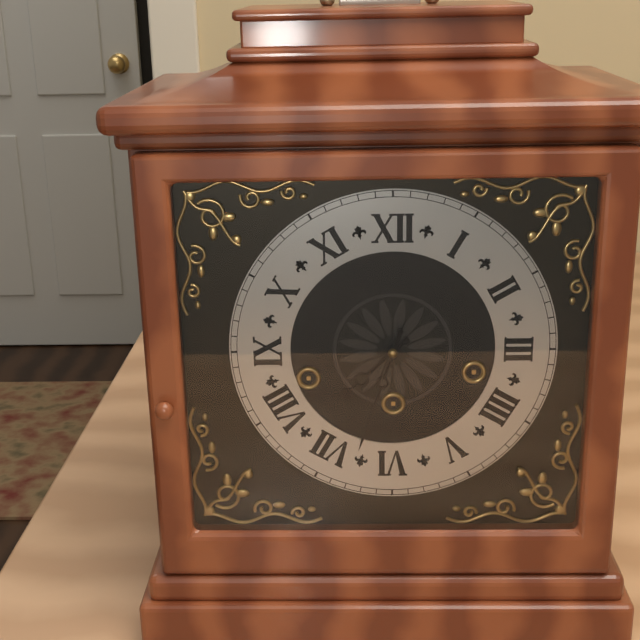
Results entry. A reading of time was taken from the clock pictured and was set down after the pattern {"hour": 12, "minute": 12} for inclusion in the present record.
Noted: {"hour": 7, "minute": 33}
